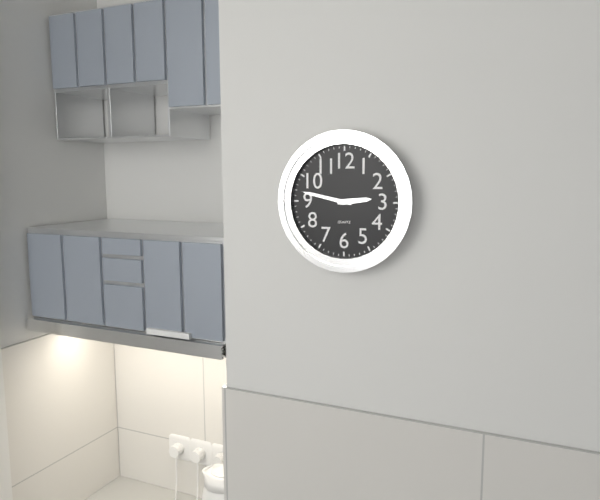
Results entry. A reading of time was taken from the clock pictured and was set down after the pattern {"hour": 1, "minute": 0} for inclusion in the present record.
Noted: {"hour": 2, "minute": 47}
